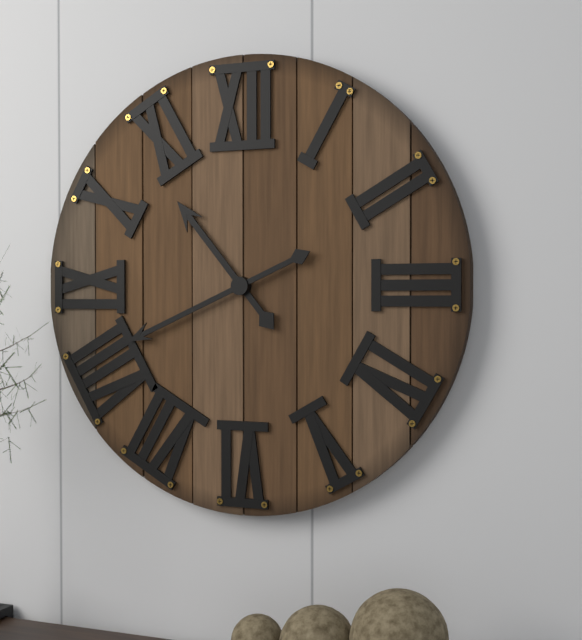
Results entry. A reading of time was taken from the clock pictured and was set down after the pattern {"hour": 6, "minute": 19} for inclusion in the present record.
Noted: {"hour": 10, "minute": 41}
